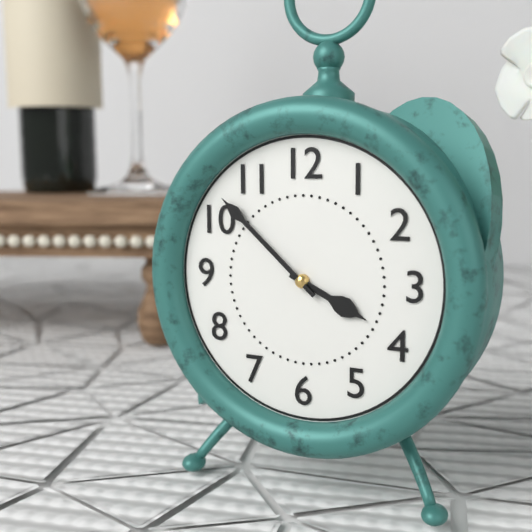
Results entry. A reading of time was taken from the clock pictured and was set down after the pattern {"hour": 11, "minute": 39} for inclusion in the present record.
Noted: {"hour": 3, "minute": 52}
